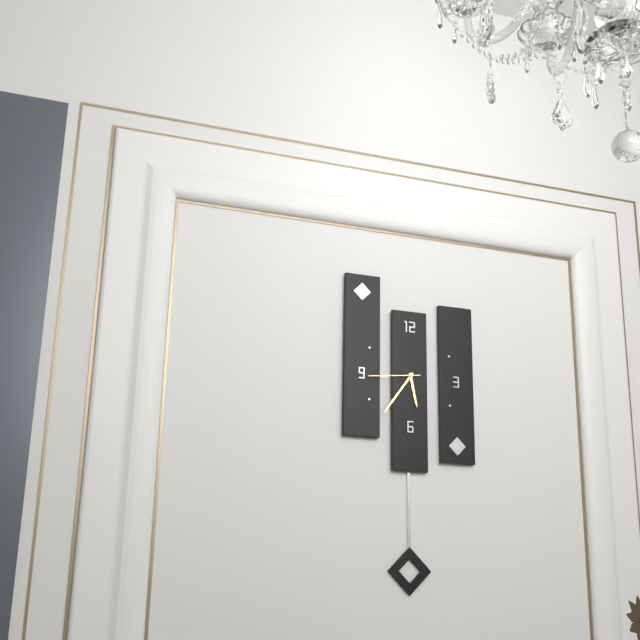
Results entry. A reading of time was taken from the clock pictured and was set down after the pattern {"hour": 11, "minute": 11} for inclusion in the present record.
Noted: {"hour": 5, "minute": 36}
